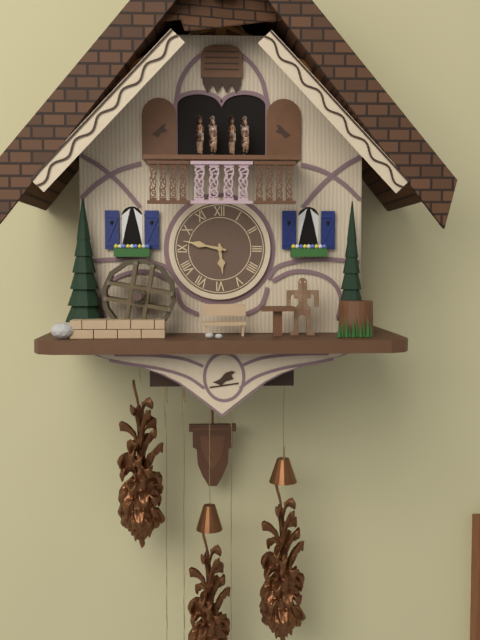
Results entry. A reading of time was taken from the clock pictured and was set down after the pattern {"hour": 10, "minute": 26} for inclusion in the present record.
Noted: {"hour": 5, "minute": 47}
